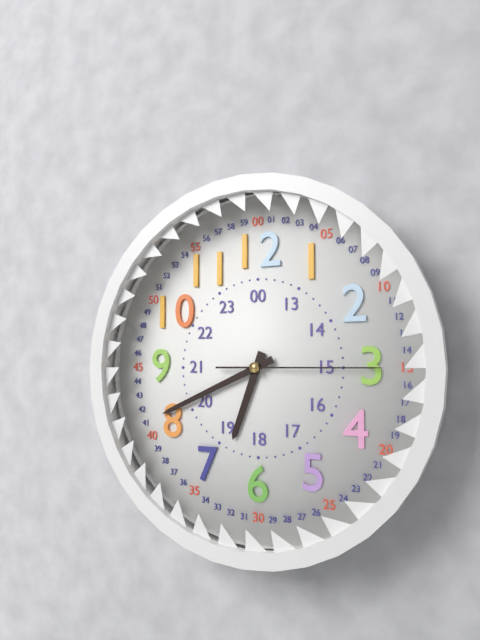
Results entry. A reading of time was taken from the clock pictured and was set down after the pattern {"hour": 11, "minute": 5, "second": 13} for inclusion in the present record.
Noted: {"hour": 6, "minute": 41, "second": 15}
